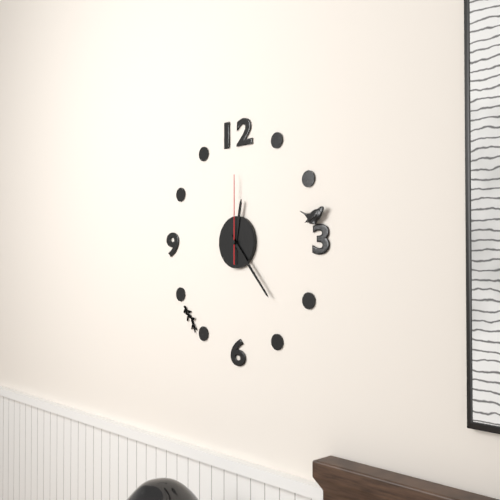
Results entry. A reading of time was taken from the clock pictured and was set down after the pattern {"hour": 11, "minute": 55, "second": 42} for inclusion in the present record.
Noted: {"hour": 12, "minute": 23, "second": 0}
